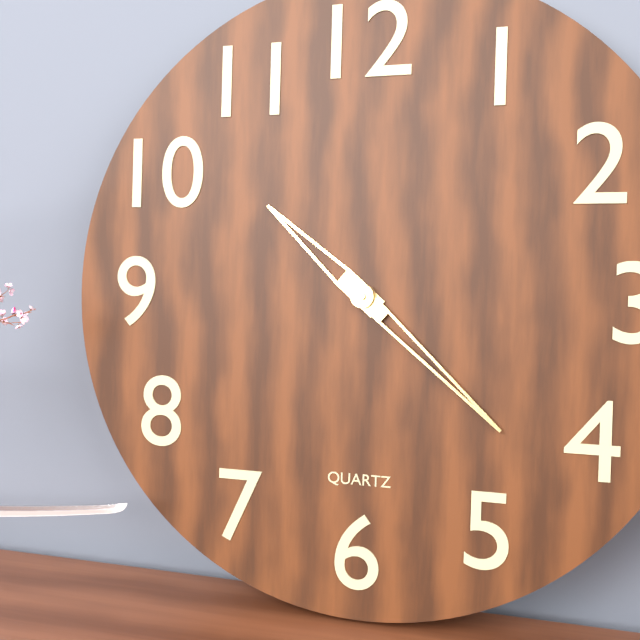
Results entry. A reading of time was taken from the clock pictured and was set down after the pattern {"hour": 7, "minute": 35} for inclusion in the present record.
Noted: {"hour": 10, "minute": 22}
